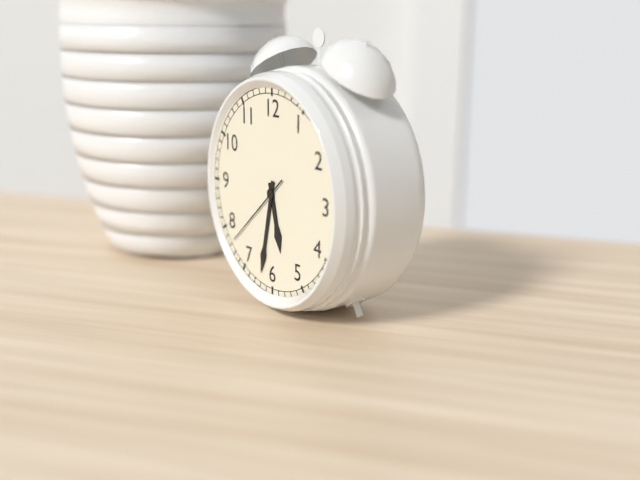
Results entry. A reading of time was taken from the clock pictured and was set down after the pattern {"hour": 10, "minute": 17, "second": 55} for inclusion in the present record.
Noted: {"hour": 5, "minute": 32, "second": 38}
